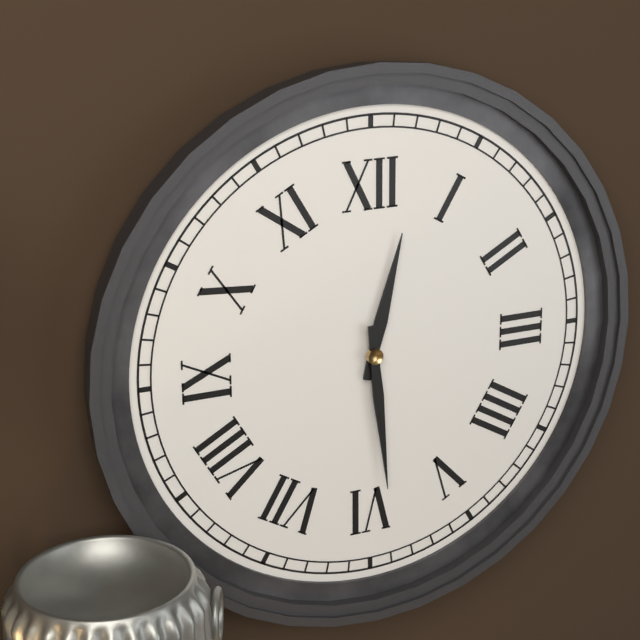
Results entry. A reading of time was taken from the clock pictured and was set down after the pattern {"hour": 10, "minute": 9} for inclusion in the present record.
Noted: {"hour": 12, "minute": 29}
